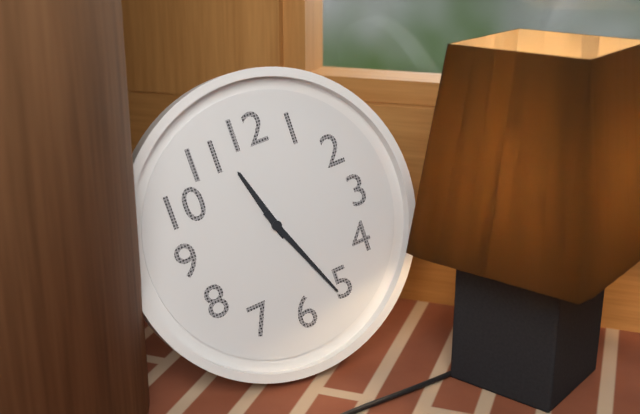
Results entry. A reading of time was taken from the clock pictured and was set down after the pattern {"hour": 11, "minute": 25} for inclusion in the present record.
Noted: {"hour": 11, "minute": 26}
